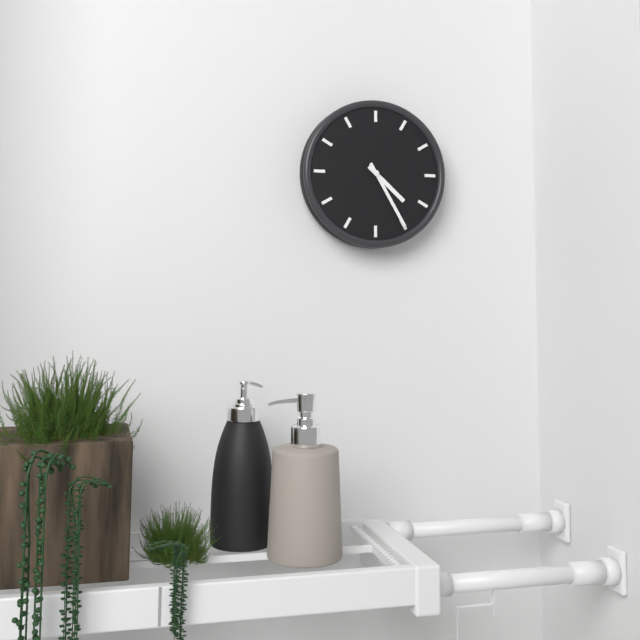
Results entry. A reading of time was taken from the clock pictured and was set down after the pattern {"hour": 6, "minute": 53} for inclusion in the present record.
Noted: {"hour": 4, "minute": 25}
